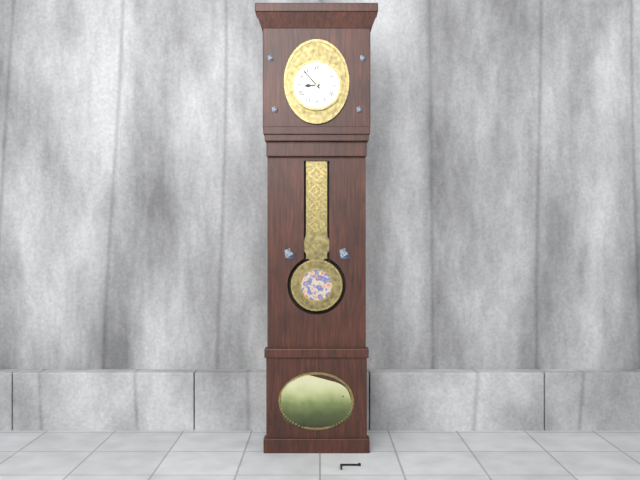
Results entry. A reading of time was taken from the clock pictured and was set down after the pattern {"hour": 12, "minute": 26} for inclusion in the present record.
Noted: {"hour": 8, "minute": 53}
